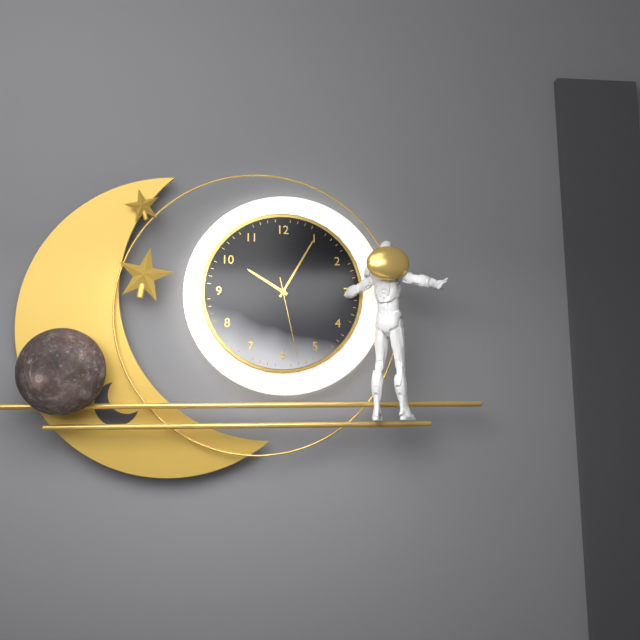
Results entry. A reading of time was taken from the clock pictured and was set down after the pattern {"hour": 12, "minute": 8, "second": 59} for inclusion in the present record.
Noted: {"hour": 10, "minute": 5, "second": 28}
